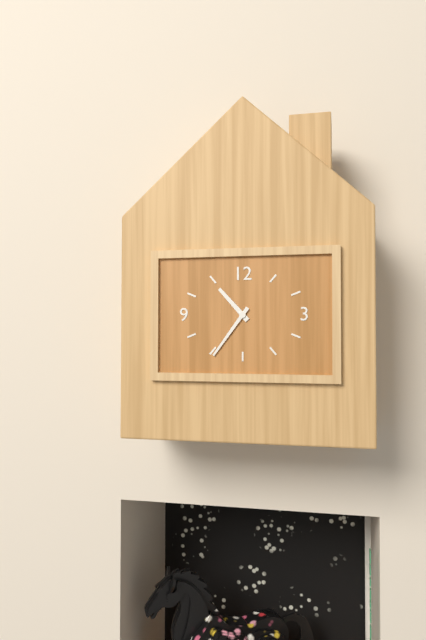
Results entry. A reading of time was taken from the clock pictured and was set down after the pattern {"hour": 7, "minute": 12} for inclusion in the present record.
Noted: {"hour": 10, "minute": 36}
